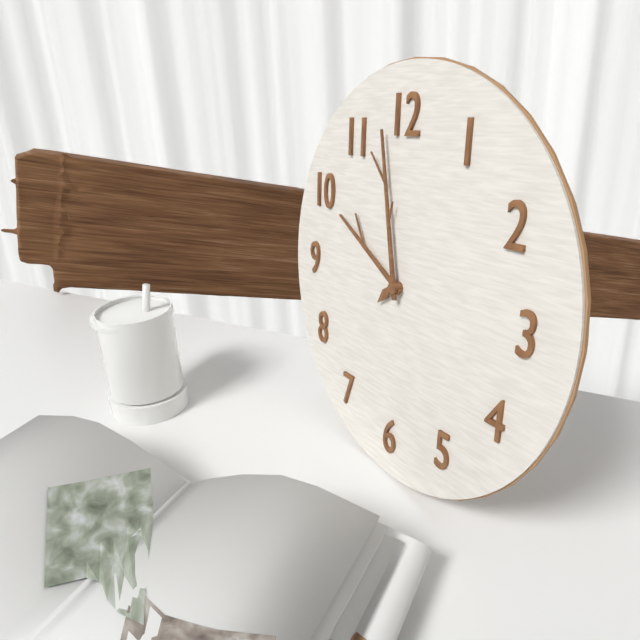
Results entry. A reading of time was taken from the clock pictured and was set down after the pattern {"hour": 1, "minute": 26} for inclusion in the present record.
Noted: {"hour": 9, "minute": 58}
